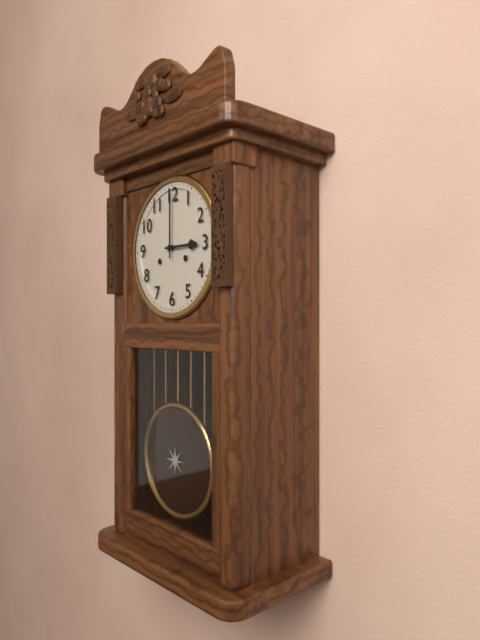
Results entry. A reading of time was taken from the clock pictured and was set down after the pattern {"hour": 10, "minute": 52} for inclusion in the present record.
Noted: {"hour": 3, "minute": 0}
